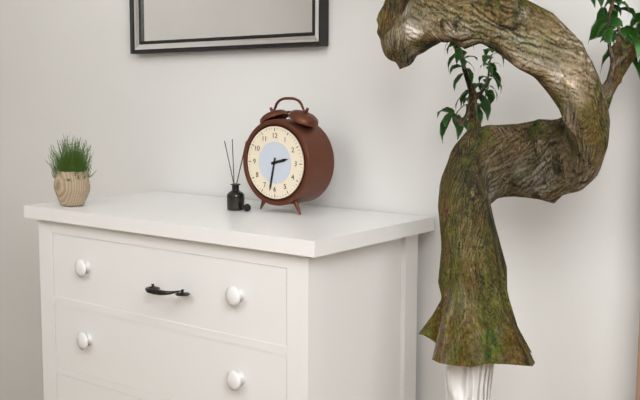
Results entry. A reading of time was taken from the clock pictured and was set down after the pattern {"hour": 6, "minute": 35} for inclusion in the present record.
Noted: {"hour": 2, "minute": 32}
